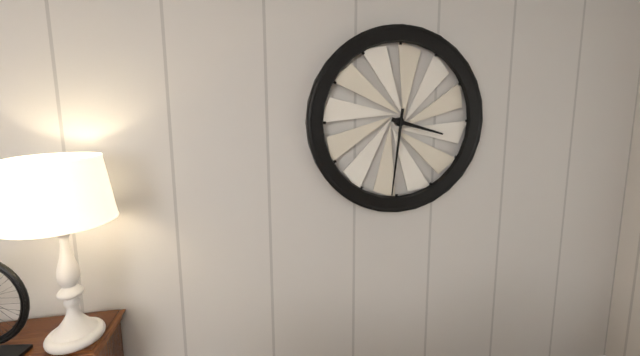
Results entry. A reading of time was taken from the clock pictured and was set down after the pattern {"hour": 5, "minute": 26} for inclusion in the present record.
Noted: {"hour": 3, "minute": 31}
